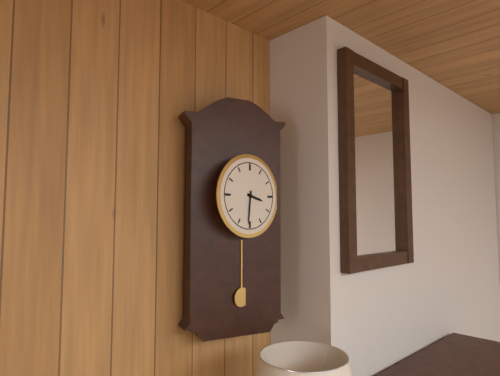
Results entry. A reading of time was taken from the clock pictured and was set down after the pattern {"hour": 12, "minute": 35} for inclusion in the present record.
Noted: {"hour": 3, "minute": 31}
